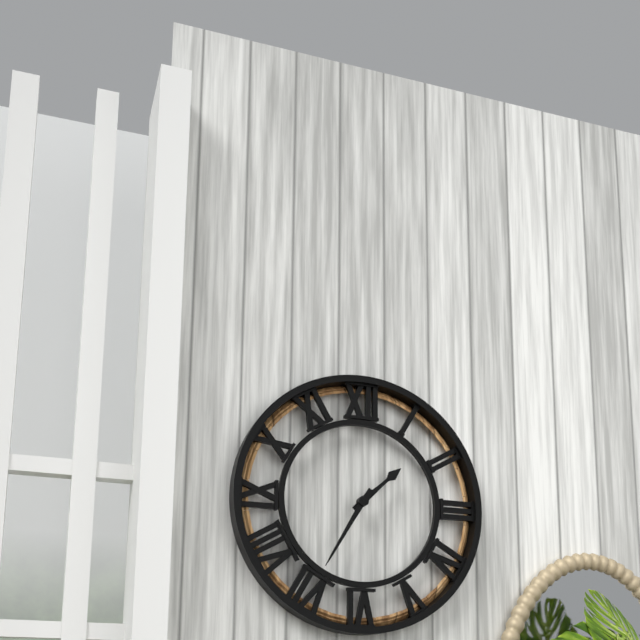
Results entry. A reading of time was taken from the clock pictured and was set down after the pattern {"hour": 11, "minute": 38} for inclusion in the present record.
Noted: {"hour": 1, "minute": 35}
